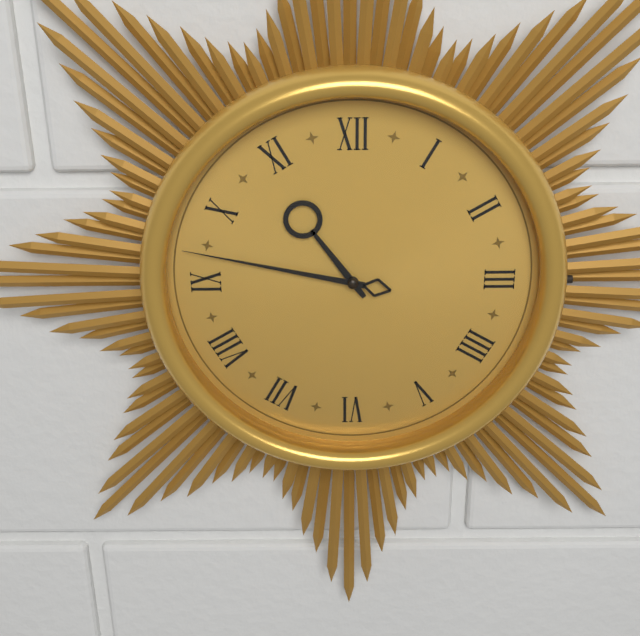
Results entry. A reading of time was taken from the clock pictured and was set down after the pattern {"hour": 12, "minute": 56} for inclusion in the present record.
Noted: {"hour": 10, "minute": 47}
